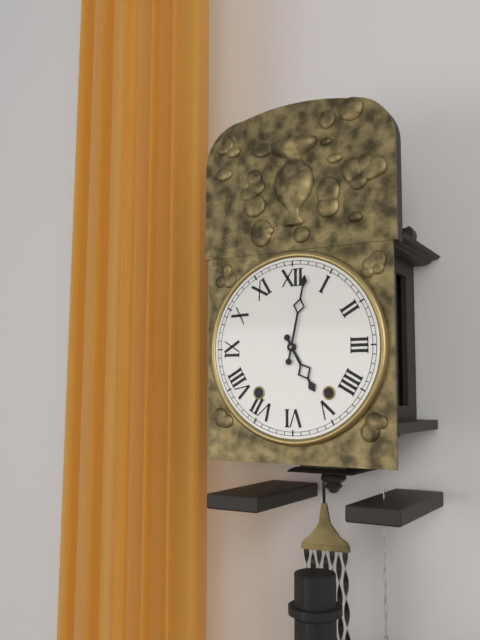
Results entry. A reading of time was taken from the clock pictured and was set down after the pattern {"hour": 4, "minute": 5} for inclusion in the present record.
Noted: {"hour": 5, "minute": 2}
